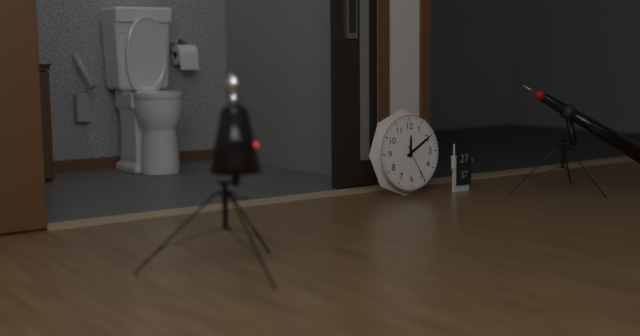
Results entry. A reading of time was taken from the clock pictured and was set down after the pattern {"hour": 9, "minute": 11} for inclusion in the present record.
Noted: {"hour": 12, "minute": 10}
